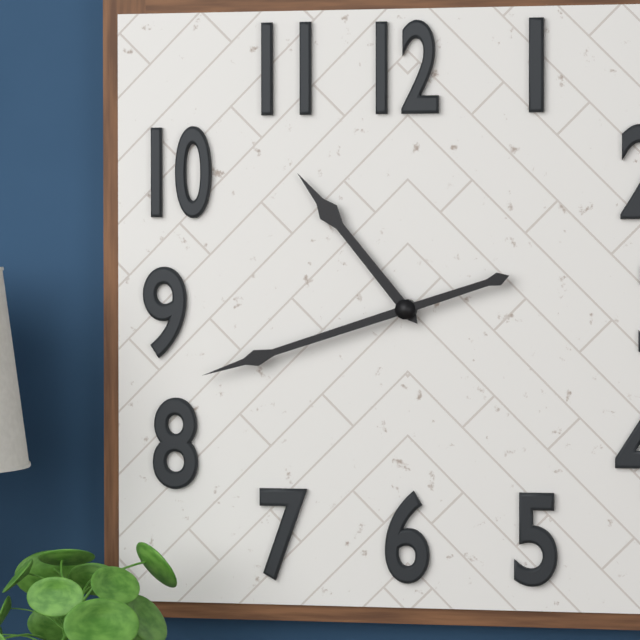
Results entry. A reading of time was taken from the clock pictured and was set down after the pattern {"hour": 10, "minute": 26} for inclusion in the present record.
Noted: {"hour": 10, "minute": 42}
